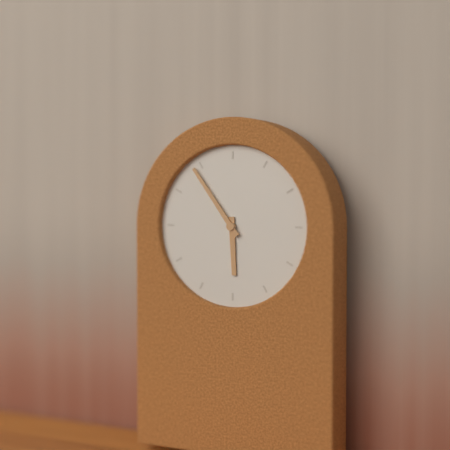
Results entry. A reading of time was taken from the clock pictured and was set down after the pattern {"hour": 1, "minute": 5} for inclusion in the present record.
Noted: {"hour": 5, "minute": 54}
